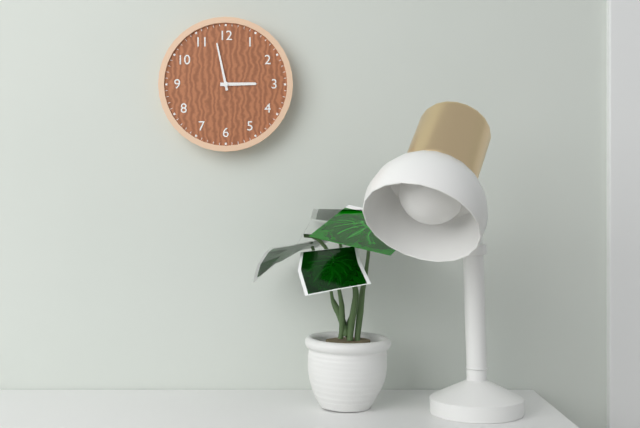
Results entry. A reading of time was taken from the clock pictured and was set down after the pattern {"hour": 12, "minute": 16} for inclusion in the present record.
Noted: {"hour": 2, "minute": 58}
